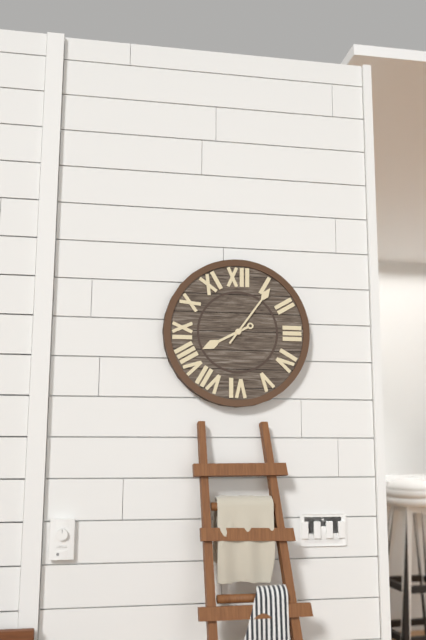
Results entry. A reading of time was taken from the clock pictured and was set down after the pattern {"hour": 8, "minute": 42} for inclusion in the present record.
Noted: {"hour": 8, "minute": 6}
